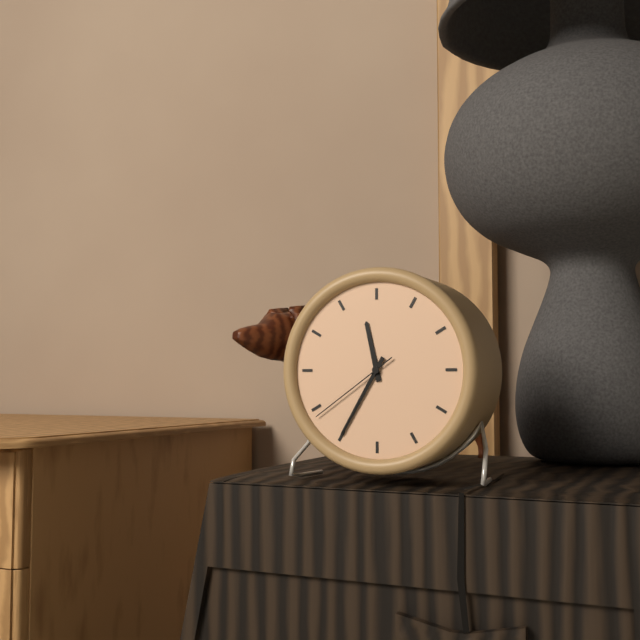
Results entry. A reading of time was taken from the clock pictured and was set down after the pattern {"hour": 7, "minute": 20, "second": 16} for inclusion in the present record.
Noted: {"hour": 11, "minute": 35, "second": 39}
